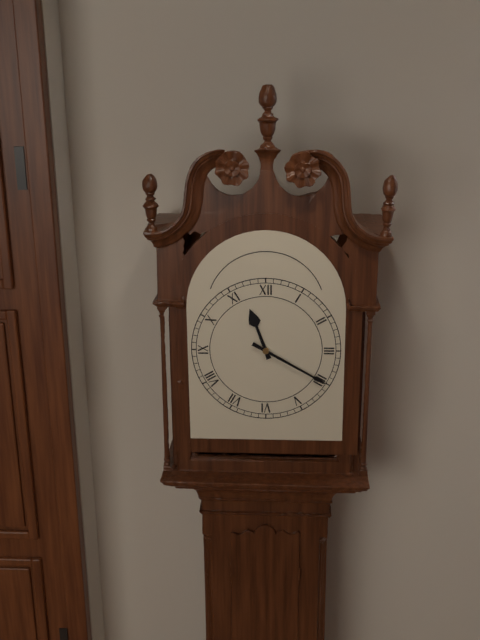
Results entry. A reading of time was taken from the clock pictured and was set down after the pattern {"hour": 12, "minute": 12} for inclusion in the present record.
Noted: {"hour": 11, "minute": 20}
